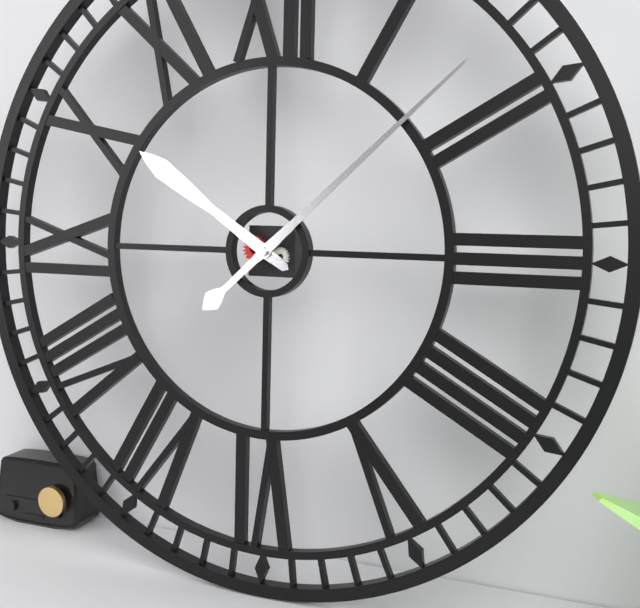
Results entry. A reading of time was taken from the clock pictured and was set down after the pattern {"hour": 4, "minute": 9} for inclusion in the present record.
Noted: {"hour": 10, "minute": 8}
